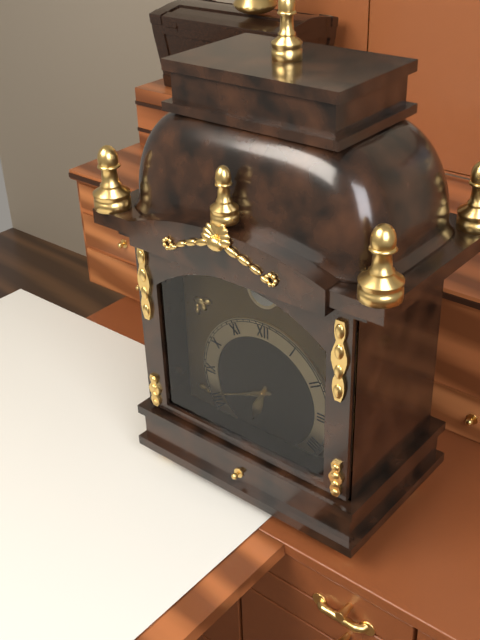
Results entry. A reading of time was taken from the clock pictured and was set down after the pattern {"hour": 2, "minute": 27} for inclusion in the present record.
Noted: {"hour": 6, "minute": 41}
